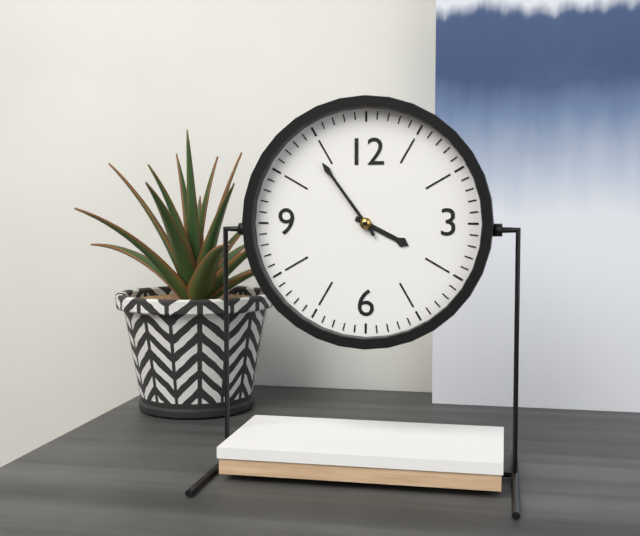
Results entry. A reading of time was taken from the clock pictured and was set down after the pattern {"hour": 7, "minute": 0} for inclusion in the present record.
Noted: {"hour": 3, "minute": 54}
